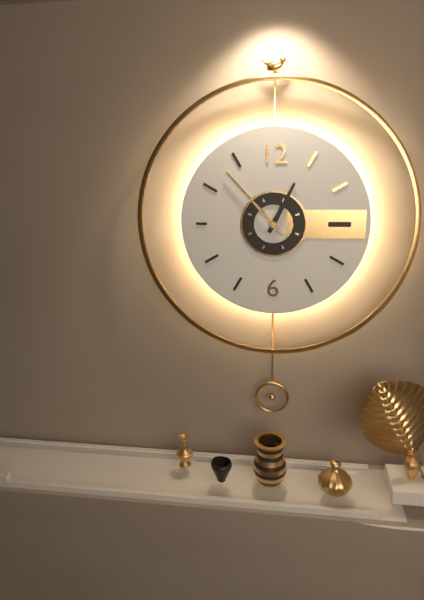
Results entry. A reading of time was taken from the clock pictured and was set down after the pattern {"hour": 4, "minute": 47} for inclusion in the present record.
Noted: {"hour": 12, "minute": 53}
